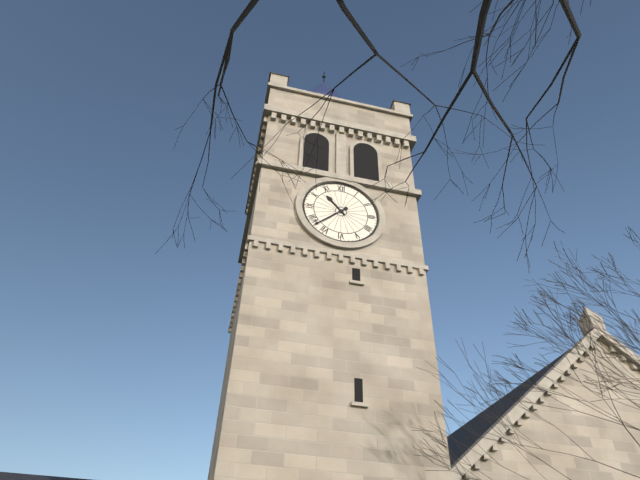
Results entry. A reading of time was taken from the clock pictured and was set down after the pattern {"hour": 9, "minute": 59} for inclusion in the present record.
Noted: {"hour": 10, "minute": 38}
